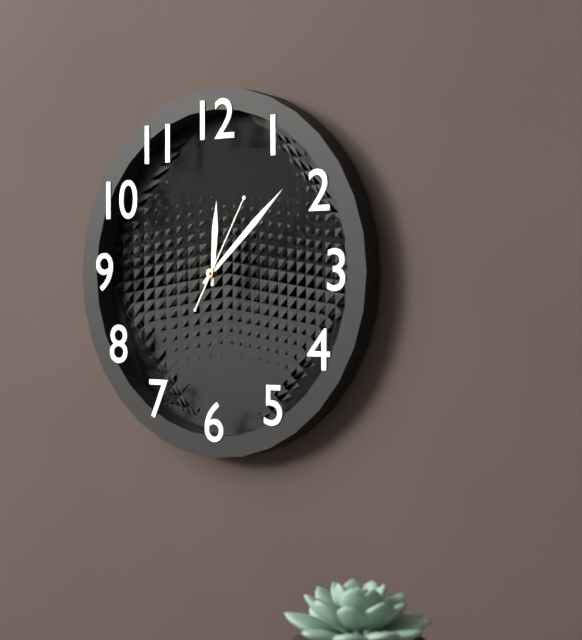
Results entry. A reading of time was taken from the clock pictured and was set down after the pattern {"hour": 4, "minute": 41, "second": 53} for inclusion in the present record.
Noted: {"hour": 12, "minute": 8, "second": 5}
